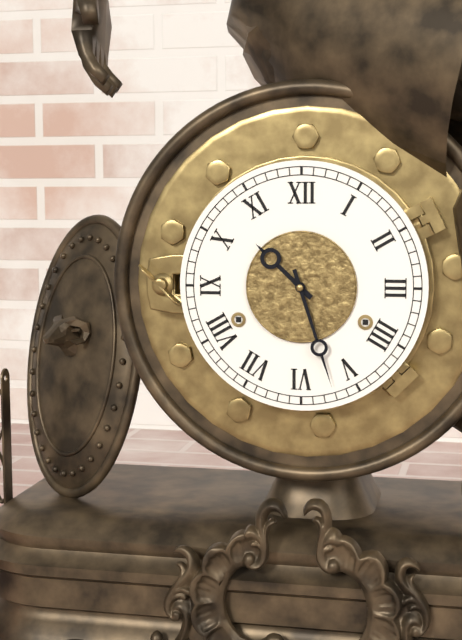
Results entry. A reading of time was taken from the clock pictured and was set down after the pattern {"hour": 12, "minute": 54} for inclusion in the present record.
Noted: {"hour": 10, "minute": 27}
